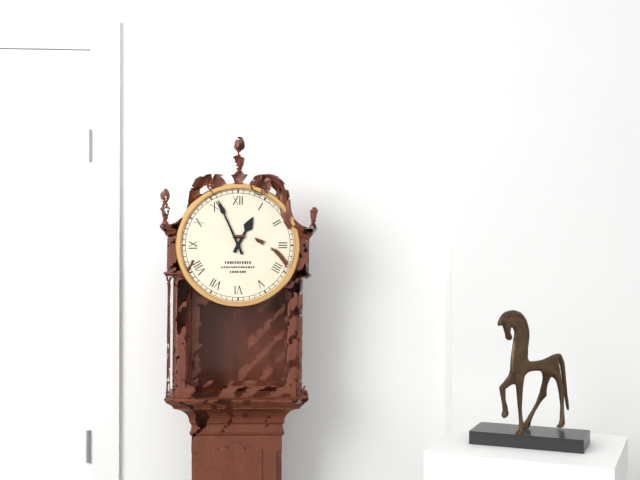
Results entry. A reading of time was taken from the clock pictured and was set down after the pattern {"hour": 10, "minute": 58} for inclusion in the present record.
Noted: {"hour": 12, "minute": 56}
